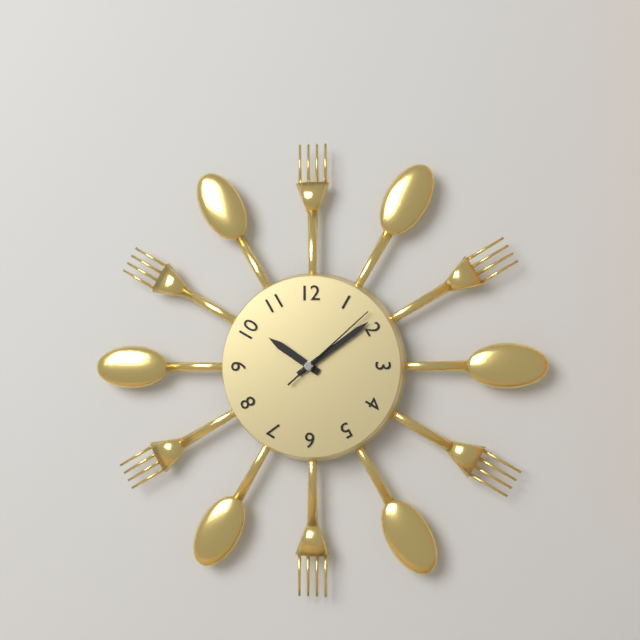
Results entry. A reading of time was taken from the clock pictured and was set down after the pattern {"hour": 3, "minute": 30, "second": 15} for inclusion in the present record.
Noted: {"hour": 10, "minute": 9, "second": 8}
